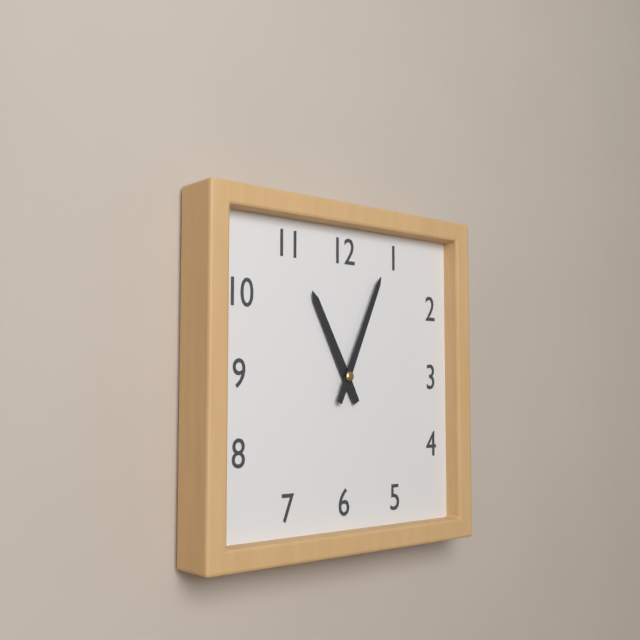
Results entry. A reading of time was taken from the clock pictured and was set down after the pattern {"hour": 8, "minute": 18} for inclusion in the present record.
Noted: {"hour": 11, "minute": 4}
